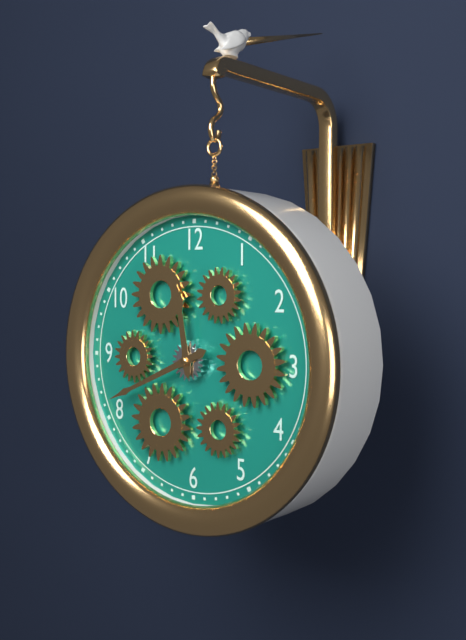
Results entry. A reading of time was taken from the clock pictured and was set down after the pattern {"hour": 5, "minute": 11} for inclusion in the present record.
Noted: {"hour": 11, "minute": 41}
